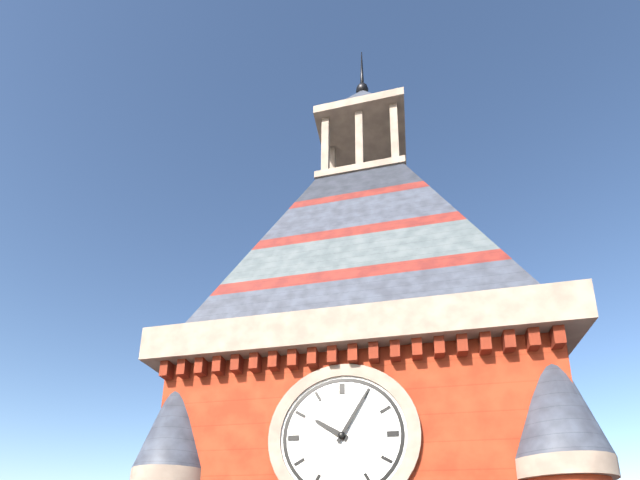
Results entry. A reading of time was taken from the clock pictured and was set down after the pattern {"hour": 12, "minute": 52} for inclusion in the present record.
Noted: {"hour": 10, "minute": 5}
